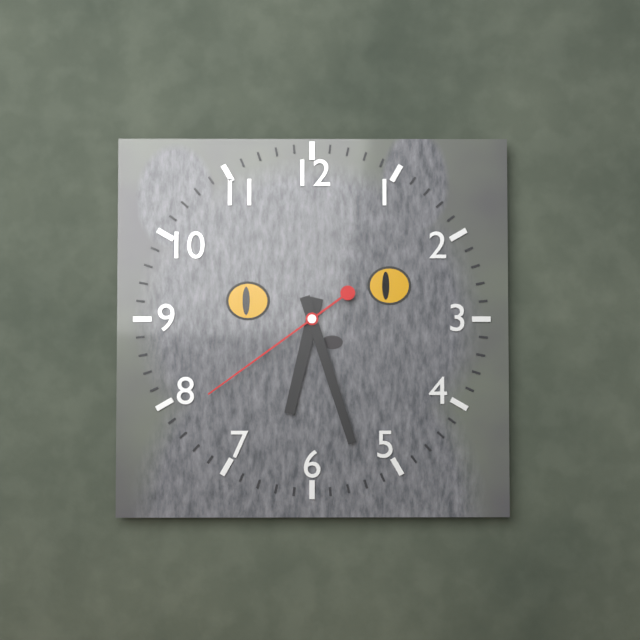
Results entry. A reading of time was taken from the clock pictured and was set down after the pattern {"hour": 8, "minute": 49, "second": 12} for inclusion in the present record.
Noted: {"hour": 6, "minute": 27, "second": 39}
